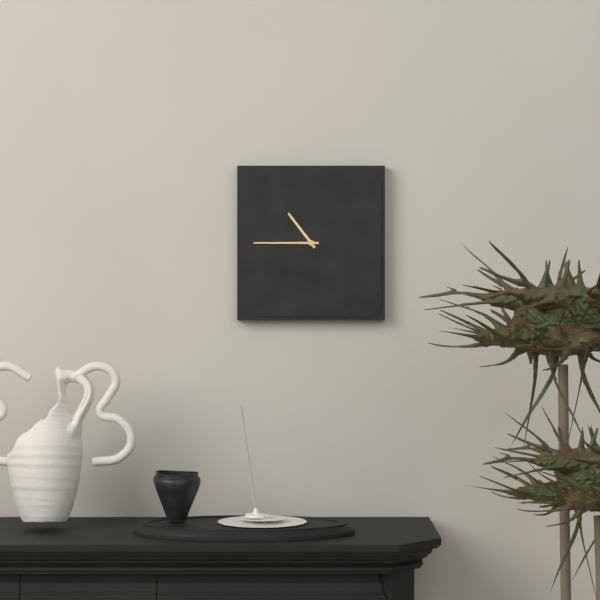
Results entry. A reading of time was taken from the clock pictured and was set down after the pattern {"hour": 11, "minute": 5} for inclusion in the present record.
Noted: {"hour": 10, "minute": 45}
